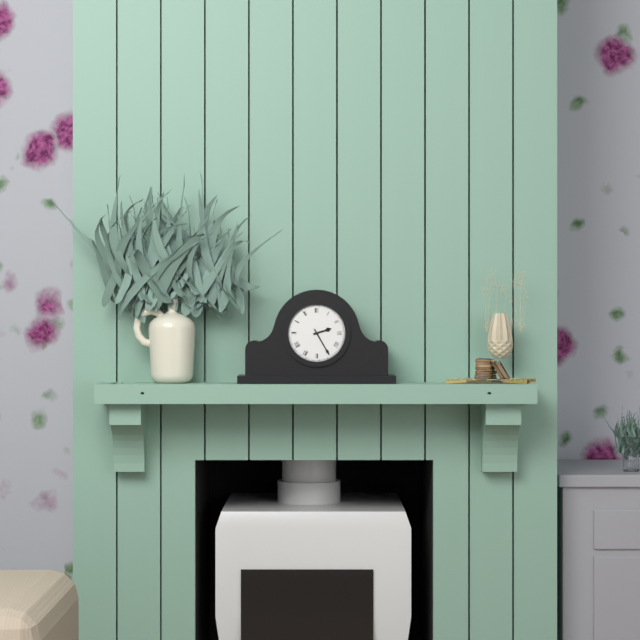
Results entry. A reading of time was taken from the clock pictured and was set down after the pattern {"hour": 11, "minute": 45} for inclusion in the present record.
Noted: {"hour": 2, "minute": 25}
